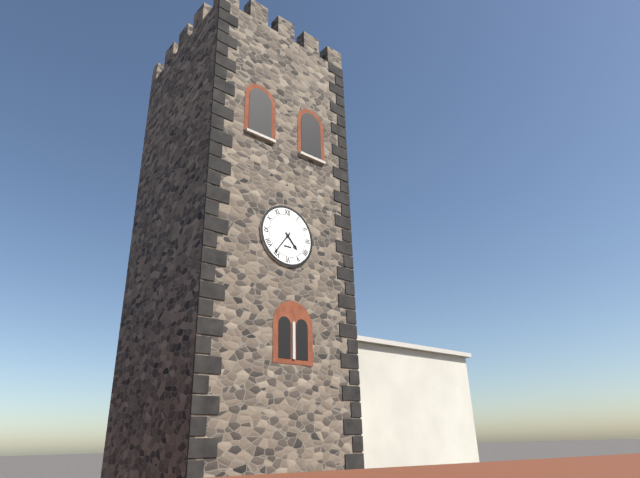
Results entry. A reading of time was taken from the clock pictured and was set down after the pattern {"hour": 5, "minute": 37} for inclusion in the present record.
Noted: {"hour": 4, "minute": 36}
